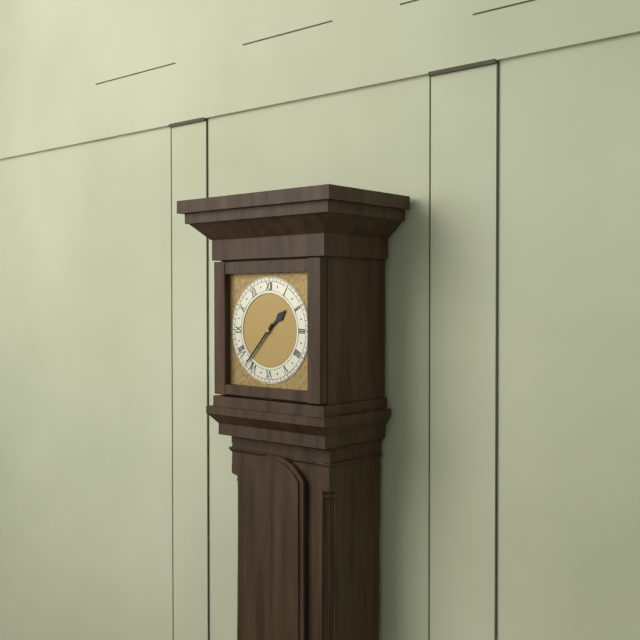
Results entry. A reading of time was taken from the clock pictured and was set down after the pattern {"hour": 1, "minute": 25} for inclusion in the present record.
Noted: {"hour": 1, "minute": 37}
